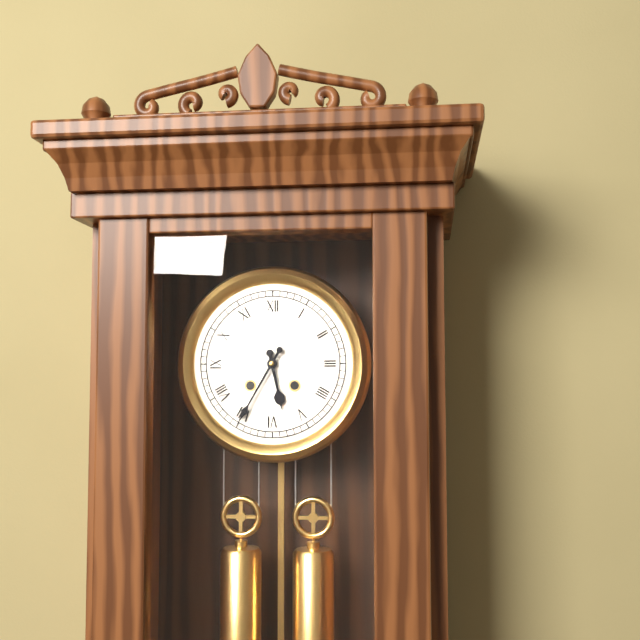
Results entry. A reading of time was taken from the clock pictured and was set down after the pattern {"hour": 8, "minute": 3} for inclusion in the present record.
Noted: {"hour": 5, "minute": 35}
